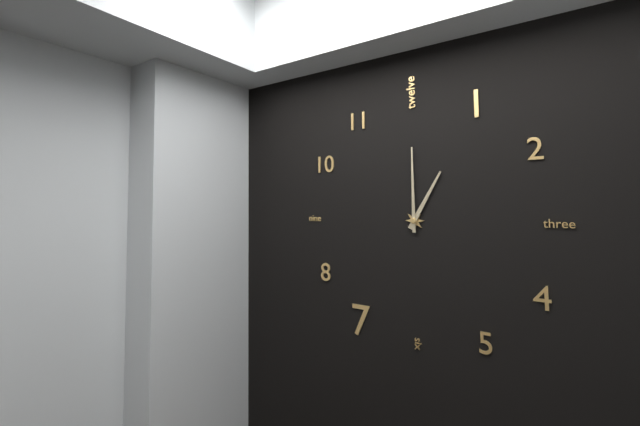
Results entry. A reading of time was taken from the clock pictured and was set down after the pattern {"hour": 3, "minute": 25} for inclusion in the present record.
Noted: {"hour": 1, "minute": 0}
